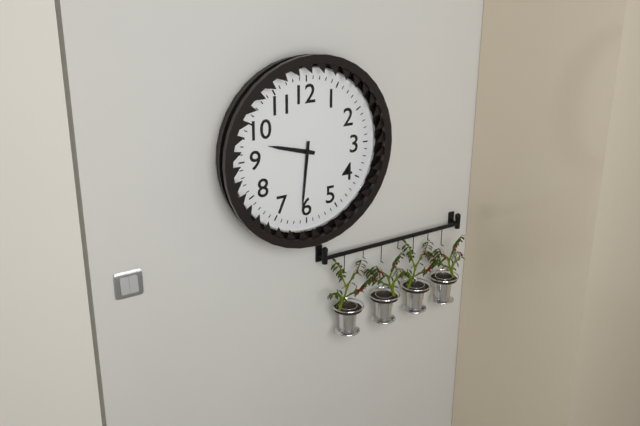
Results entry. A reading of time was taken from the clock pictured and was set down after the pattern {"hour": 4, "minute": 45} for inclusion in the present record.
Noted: {"hour": 9, "minute": 31}
